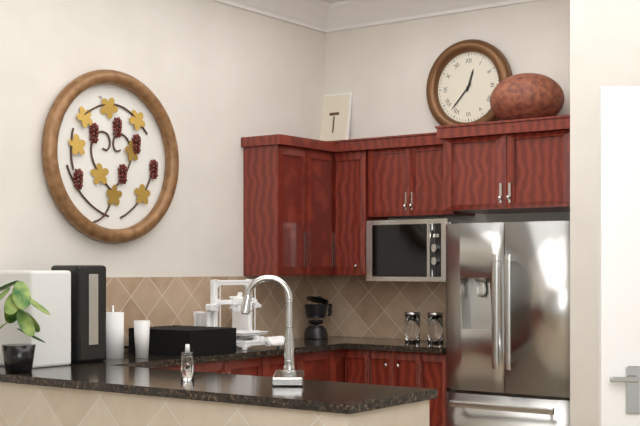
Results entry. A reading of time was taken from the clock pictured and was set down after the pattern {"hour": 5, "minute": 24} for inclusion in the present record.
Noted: {"hour": 12, "minute": 37}
